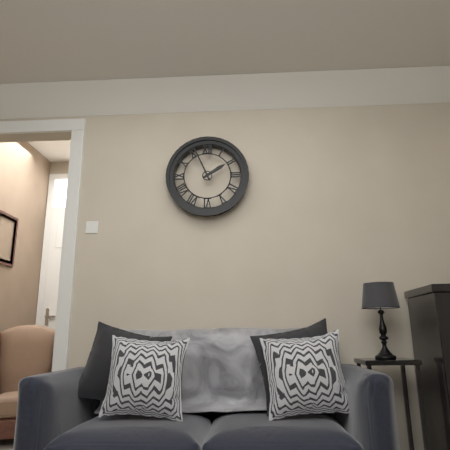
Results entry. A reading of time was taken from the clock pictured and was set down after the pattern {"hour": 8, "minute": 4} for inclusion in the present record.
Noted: {"hour": 1, "minute": 56}
